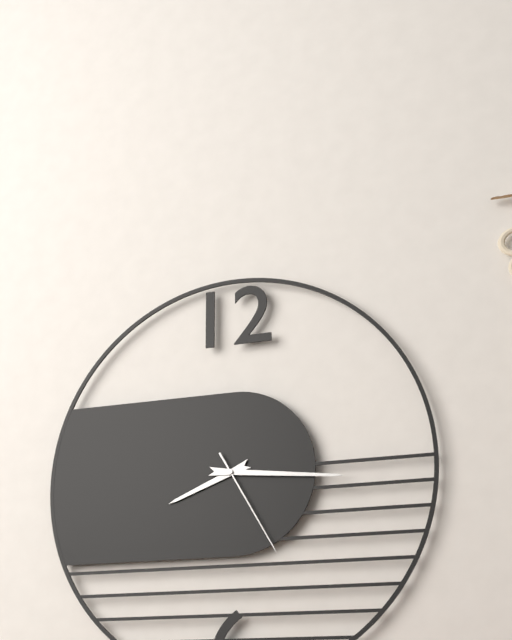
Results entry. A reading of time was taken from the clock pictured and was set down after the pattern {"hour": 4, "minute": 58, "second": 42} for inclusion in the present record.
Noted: {"hour": 8, "minute": 16, "second": 25}
